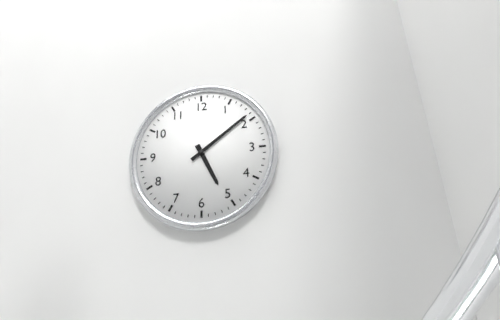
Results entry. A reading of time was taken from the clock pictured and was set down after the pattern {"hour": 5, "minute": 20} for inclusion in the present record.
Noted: {"hour": 5, "minute": 9}
